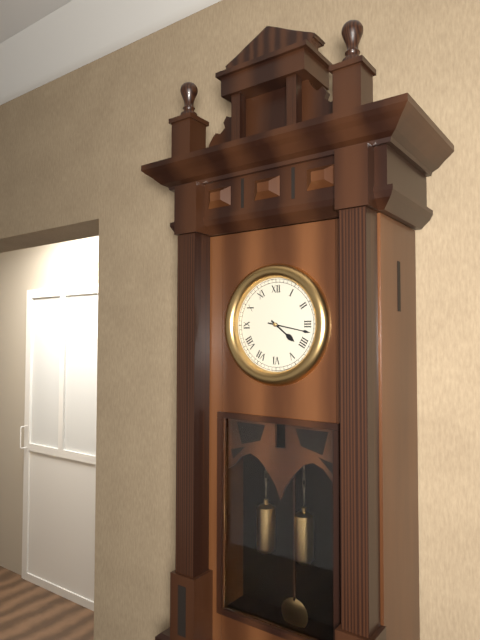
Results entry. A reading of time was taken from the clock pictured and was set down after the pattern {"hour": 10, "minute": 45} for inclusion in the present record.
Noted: {"hour": 4, "minute": 17}
